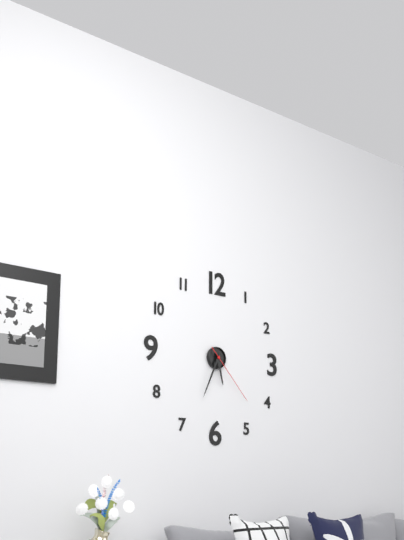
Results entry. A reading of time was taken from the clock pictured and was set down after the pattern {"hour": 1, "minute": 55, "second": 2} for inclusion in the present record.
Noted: {"hour": 5, "minute": 34, "second": 23}
